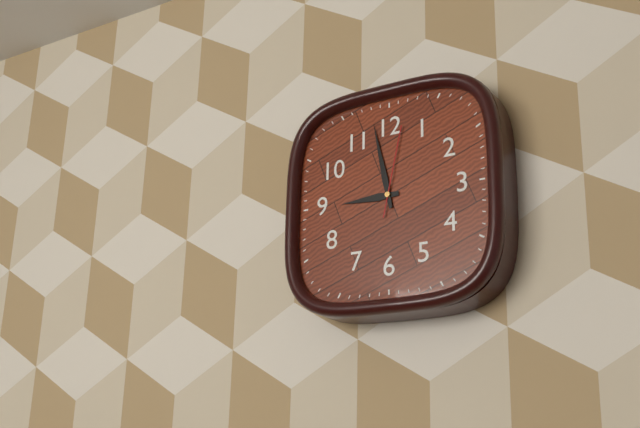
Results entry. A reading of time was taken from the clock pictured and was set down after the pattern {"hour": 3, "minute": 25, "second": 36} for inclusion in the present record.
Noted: {"hour": 8, "minute": 58, "second": 2}
